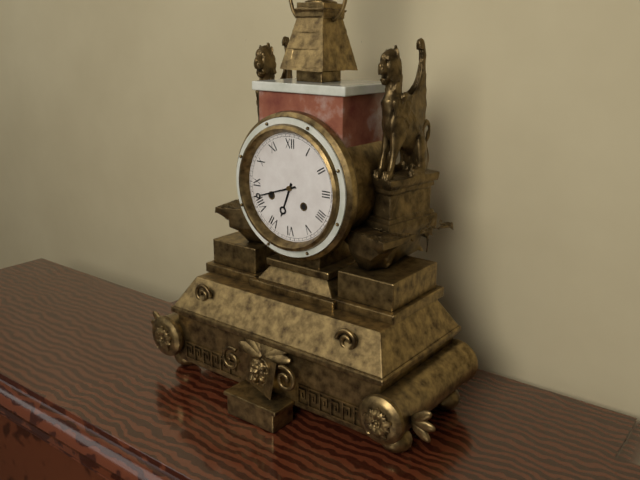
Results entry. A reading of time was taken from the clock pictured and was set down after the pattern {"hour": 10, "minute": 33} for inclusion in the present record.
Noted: {"hour": 6, "minute": 42}
